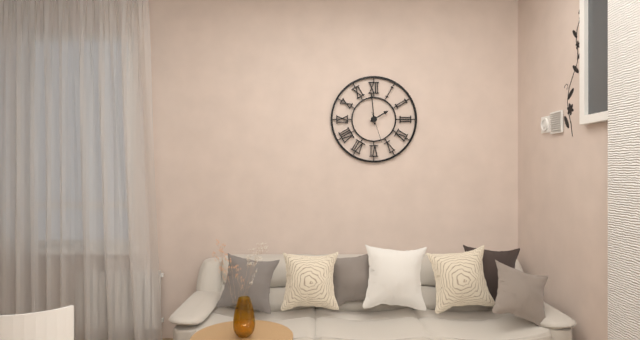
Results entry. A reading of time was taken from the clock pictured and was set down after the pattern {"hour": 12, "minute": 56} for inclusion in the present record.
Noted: {"hour": 1, "minute": 59}
